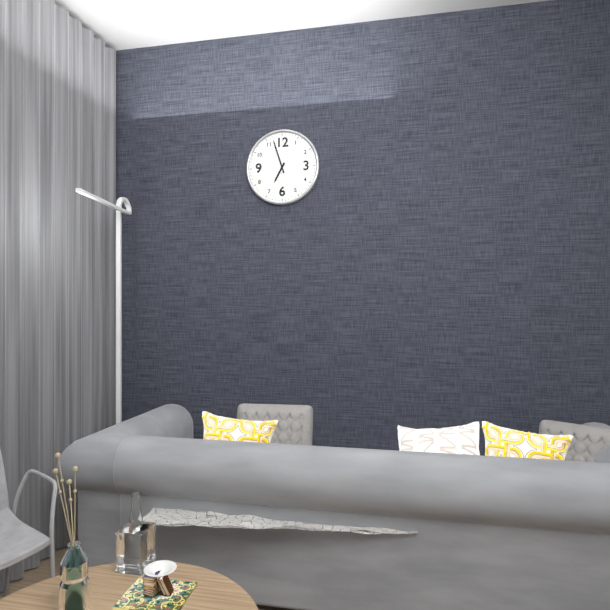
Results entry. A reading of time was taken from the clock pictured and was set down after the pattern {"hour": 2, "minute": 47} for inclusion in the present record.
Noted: {"hour": 6, "minute": 57}
